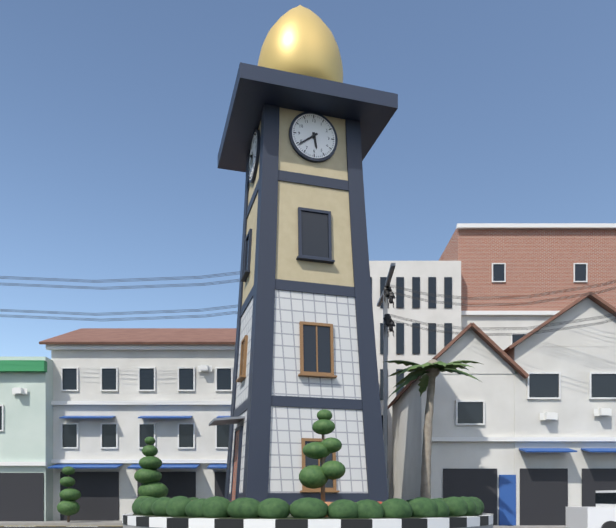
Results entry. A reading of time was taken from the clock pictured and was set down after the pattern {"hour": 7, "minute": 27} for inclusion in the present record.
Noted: {"hour": 5, "minute": 39}
